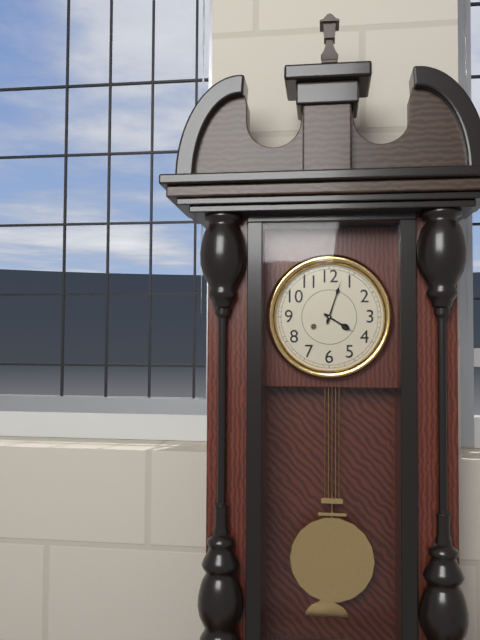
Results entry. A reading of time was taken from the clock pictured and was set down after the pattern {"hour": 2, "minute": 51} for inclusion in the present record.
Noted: {"hour": 4, "minute": 3}
